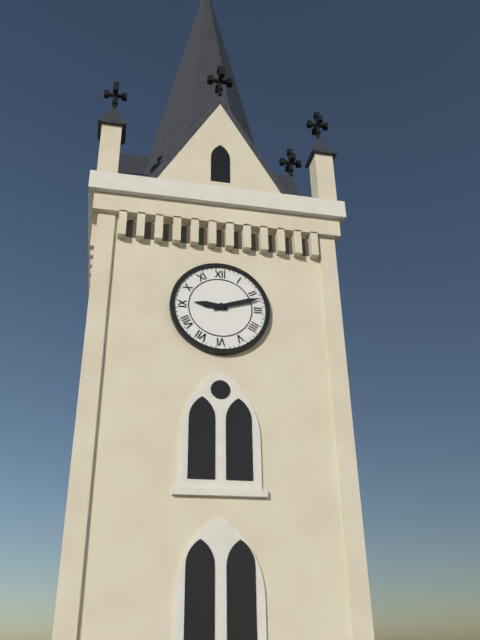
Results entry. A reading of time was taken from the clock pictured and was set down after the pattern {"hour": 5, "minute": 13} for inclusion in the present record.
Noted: {"hour": 9, "minute": 12}
